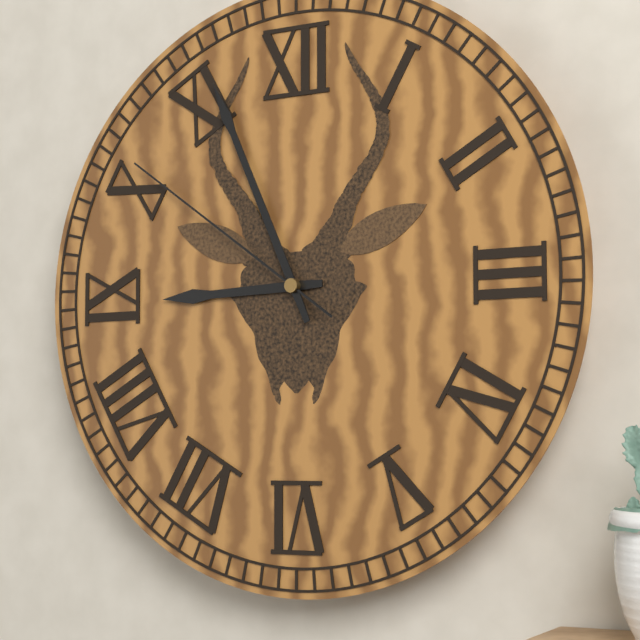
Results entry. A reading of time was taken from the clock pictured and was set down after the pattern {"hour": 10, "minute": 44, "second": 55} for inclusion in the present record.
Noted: {"hour": 8, "minute": 56, "second": 51}
